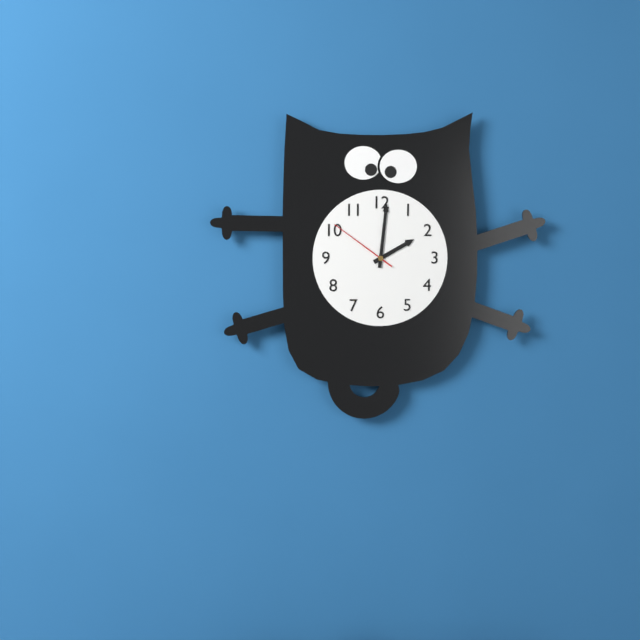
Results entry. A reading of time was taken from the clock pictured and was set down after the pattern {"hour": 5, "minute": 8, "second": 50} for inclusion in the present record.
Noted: {"hour": 2, "minute": 1, "second": 51}
